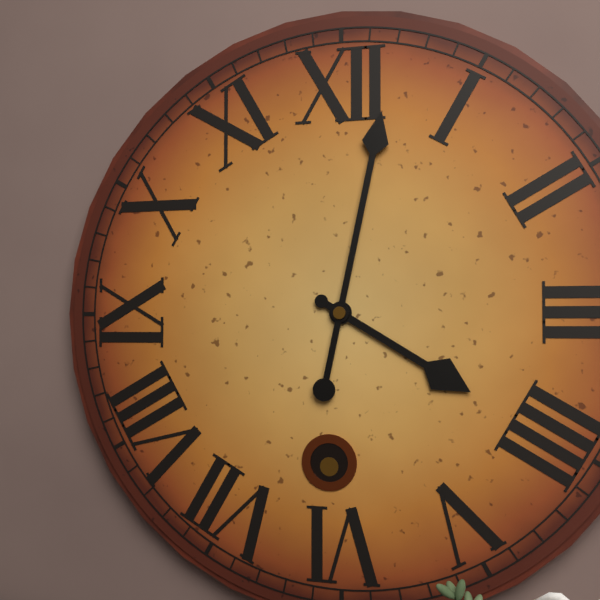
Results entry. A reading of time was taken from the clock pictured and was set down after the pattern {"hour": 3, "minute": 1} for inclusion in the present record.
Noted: {"hour": 4, "minute": 2}
